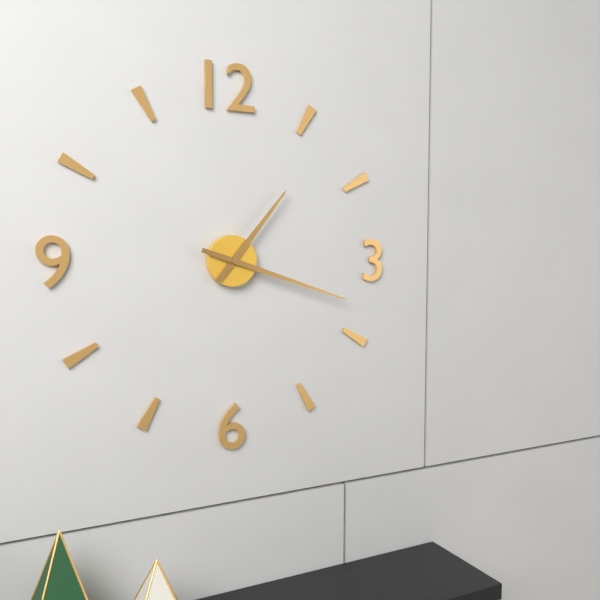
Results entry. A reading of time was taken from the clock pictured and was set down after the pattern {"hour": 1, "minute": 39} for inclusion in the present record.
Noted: {"hour": 1, "minute": 18}
